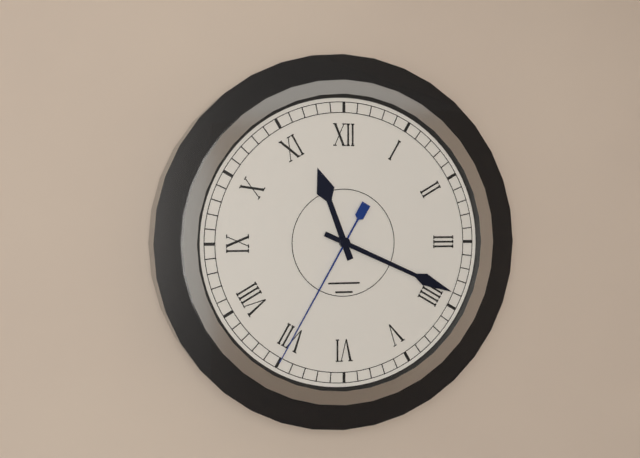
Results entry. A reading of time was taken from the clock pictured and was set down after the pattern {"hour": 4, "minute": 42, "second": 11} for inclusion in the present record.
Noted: {"hour": 11, "minute": 19, "second": 35}
